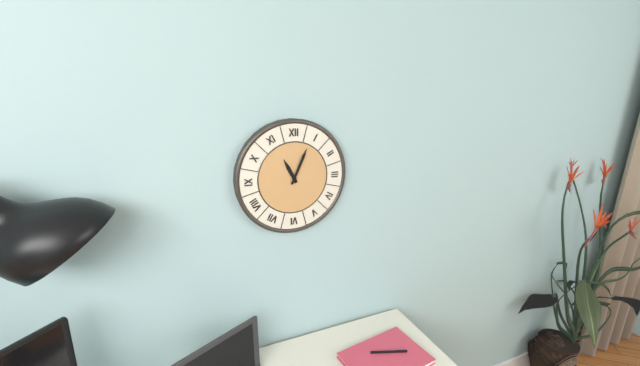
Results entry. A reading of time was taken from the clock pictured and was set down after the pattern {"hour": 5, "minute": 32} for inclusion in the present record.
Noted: {"hour": 11, "minute": 4}
